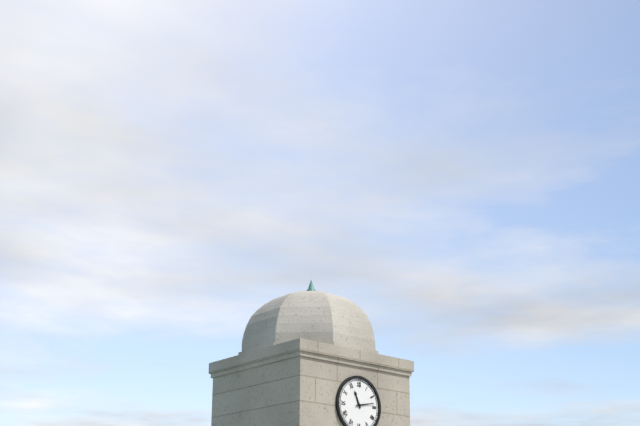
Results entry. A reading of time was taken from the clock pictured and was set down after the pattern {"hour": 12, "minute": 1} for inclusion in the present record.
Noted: {"hour": 11, "minute": 13}
